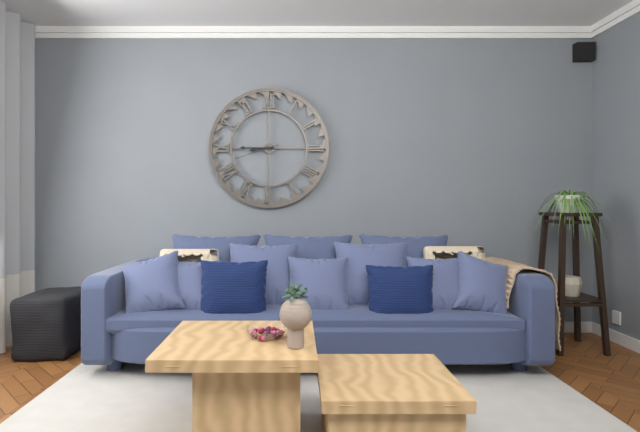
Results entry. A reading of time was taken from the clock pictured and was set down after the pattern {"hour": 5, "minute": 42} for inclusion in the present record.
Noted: {"hour": 8, "minute": 45}
